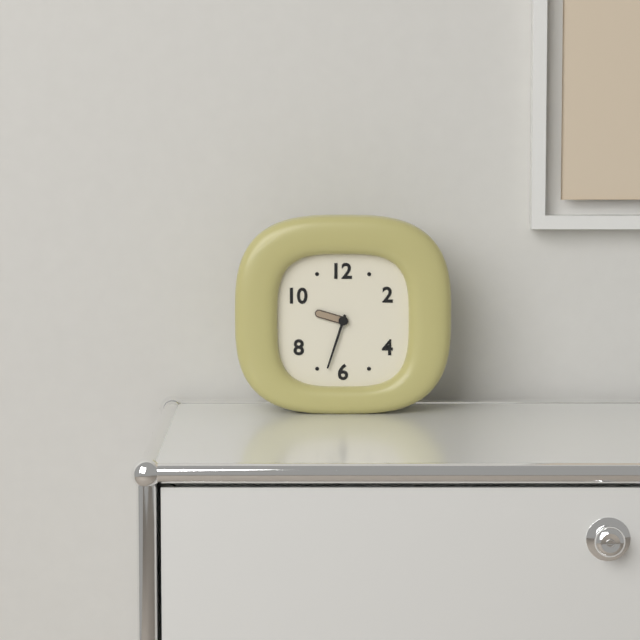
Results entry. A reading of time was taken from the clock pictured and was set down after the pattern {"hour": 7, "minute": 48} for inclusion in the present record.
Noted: {"hour": 9, "minute": 33}
